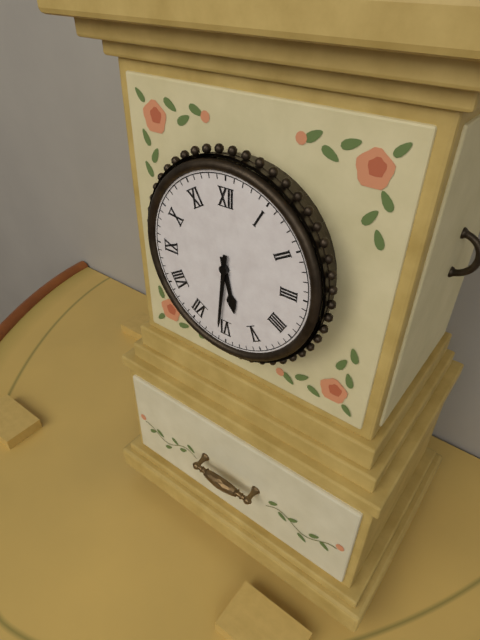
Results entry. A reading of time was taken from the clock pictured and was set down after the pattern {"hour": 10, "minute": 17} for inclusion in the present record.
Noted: {"hour": 5, "minute": 31}
